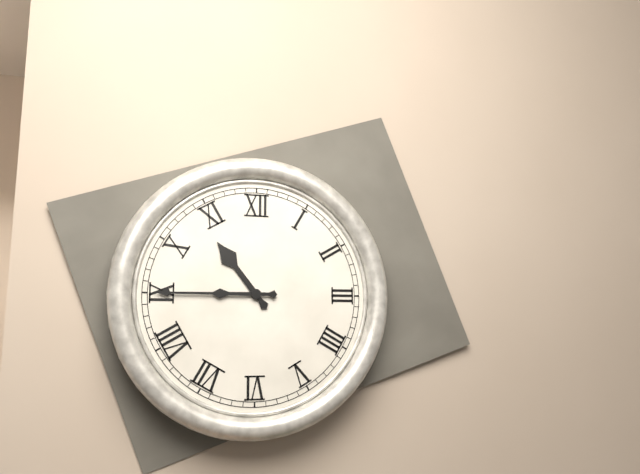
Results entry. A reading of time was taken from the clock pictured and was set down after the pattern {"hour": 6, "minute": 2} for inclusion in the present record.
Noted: {"hour": 10, "minute": 45}
